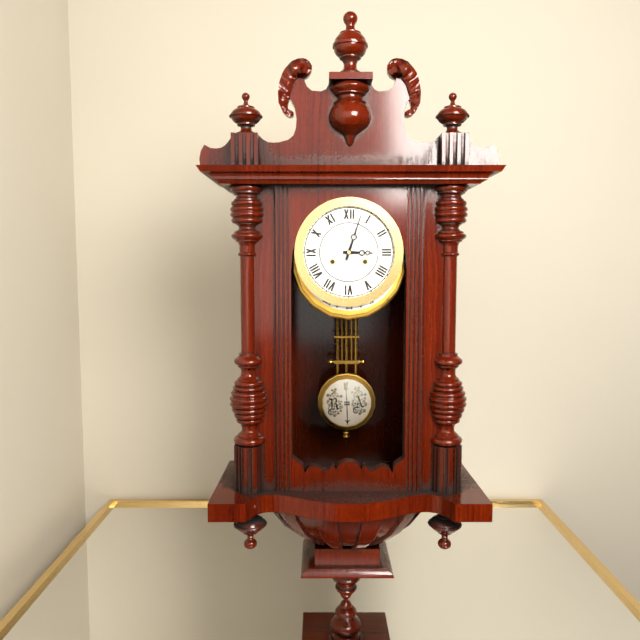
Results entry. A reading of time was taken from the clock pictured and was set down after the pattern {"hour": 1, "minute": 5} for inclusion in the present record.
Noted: {"hour": 3, "minute": 3}
